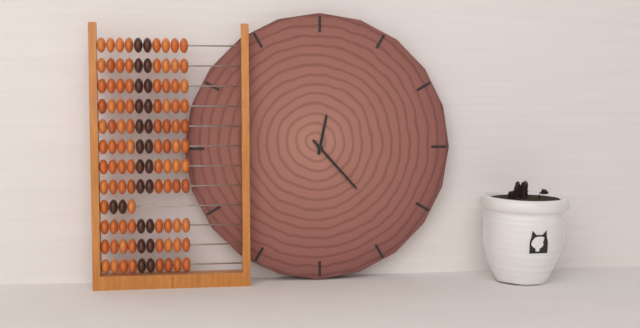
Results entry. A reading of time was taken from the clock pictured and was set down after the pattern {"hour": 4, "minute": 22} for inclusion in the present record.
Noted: {"hour": 12, "minute": 23}
